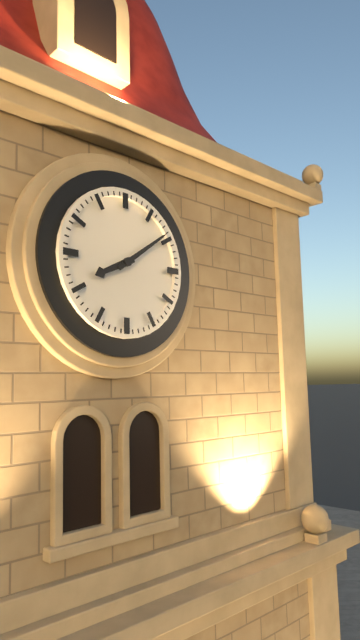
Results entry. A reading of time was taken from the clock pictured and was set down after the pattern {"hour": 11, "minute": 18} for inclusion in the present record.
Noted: {"hour": 8, "minute": 9}
